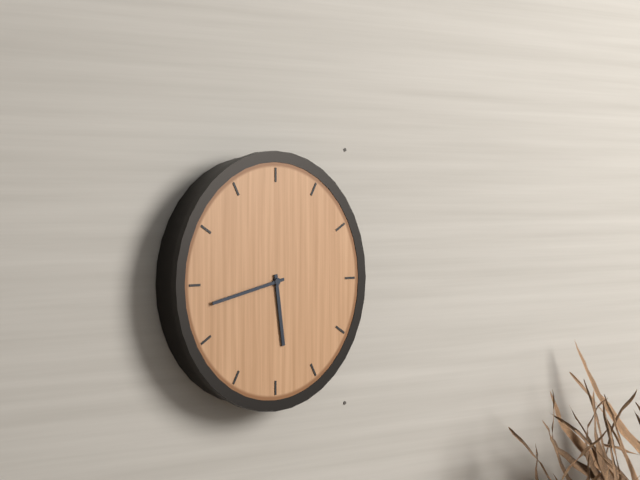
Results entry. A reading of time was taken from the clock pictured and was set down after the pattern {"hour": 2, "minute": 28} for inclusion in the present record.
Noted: {"hour": 5, "minute": 43}
